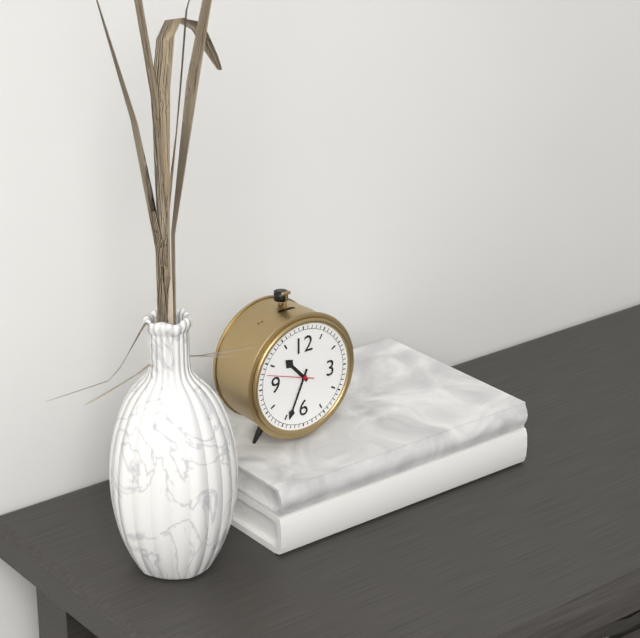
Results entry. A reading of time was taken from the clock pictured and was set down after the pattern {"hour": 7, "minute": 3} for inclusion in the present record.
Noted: {"hour": 10, "minute": 34}
